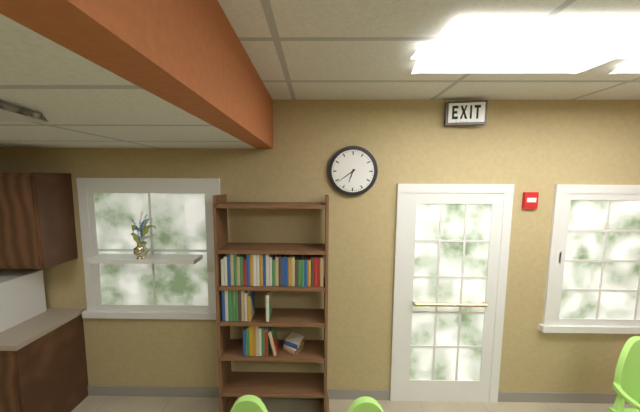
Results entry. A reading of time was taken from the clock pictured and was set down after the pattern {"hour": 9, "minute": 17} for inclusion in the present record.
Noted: {"hour": 6, "minute": 39}
